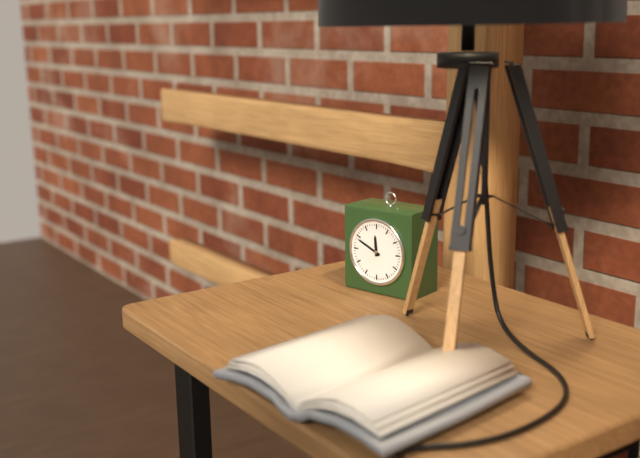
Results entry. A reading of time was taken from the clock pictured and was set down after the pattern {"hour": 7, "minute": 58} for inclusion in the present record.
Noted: {"hour": 11, "minute": 49}
